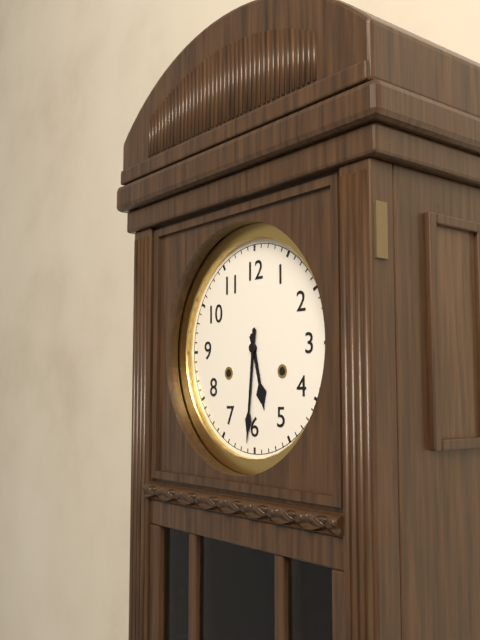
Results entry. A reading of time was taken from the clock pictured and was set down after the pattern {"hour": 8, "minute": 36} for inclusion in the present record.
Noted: {"hour": 5, "minute": 31}
